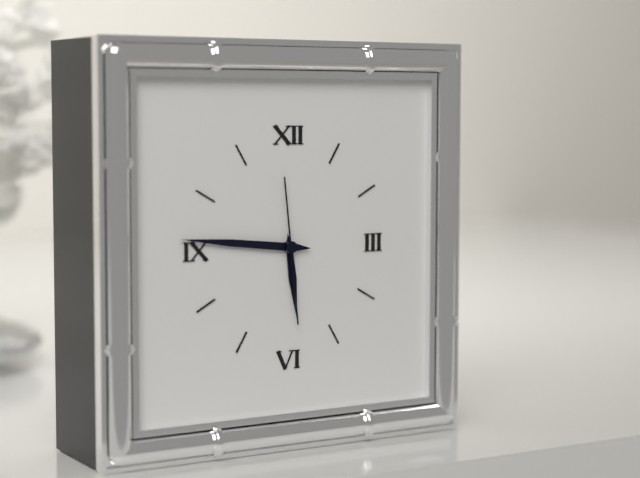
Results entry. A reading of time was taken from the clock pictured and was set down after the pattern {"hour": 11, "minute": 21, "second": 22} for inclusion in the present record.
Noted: {"hour": 5, "minute": 46, "second": 29}
